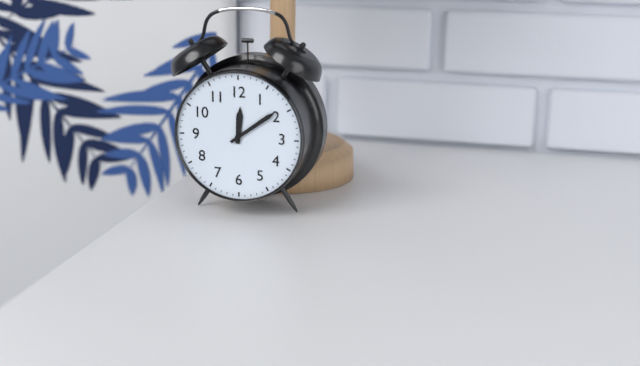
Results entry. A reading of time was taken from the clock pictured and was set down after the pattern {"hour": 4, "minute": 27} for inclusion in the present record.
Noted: {"hour": 12, "minute": 9}
